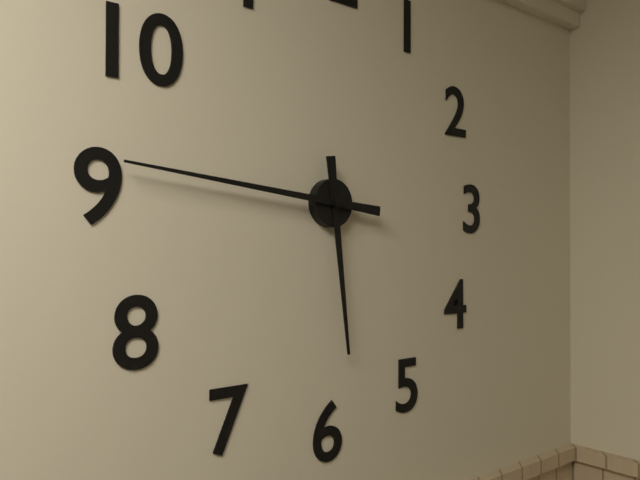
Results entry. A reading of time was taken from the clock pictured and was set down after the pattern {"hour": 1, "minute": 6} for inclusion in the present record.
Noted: {"hour": 5, "minute": 46}
